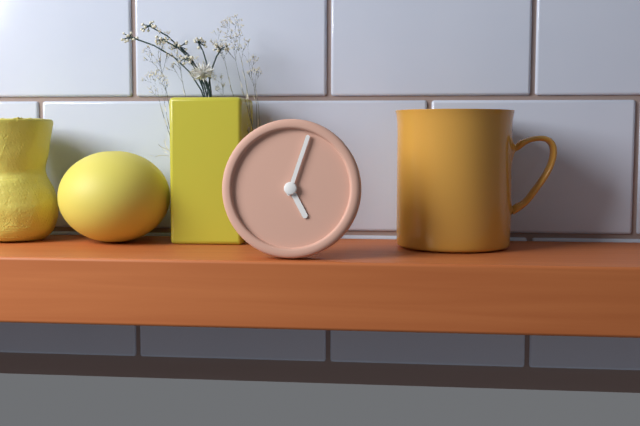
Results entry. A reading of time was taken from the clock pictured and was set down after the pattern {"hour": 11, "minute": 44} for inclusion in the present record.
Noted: {"hour": 5, "minute": 3}
